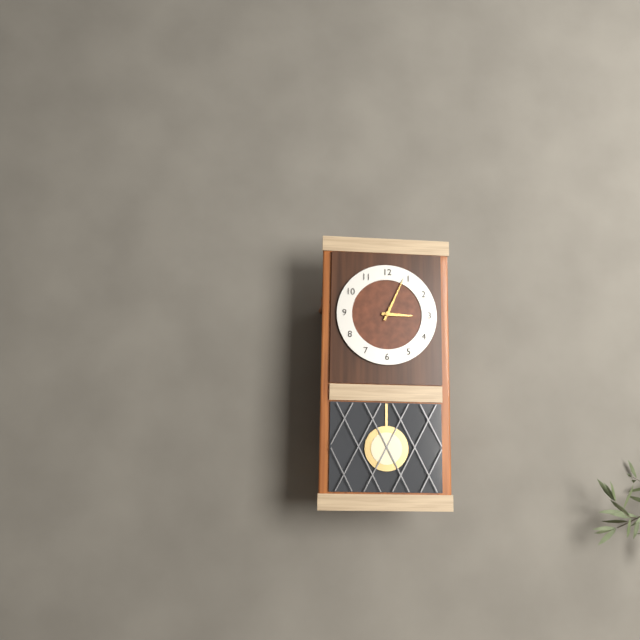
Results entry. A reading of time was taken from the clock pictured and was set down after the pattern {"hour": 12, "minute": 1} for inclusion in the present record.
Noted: {"hour": 3, "minute": 4}
